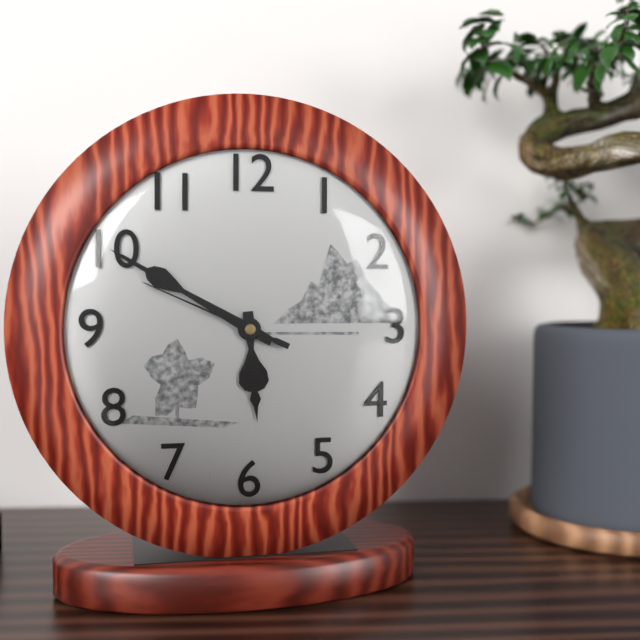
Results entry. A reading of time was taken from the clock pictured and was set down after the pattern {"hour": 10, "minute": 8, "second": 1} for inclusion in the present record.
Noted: {"hour": 5, "minute": 50, "second": 49}
